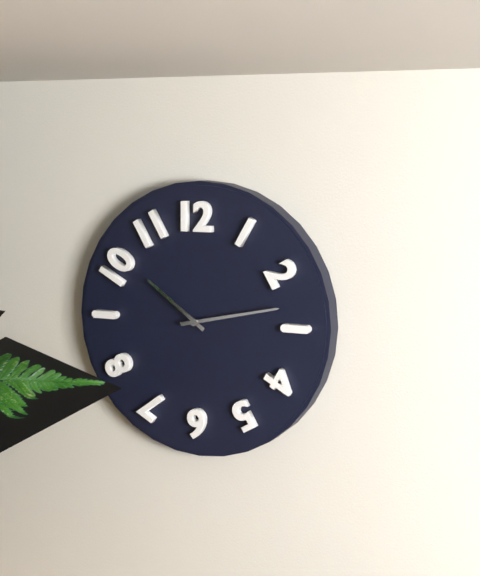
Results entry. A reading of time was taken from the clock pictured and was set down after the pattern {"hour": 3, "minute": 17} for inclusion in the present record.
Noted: {"hour": 10, "minute": 13}
